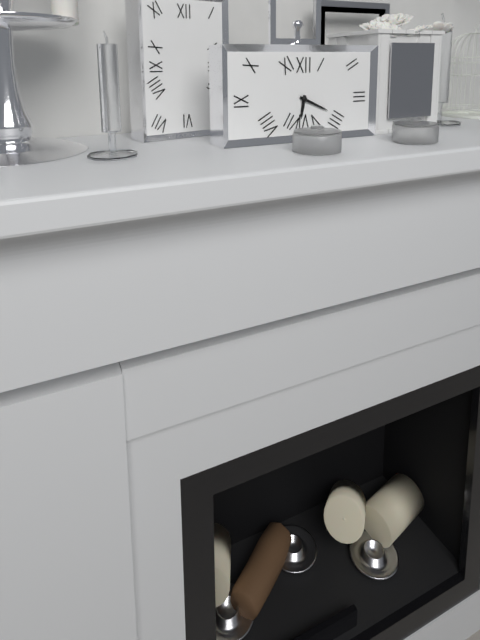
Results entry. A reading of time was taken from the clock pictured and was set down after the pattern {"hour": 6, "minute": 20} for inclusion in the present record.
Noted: {"hour": 6, "minute": 19}
